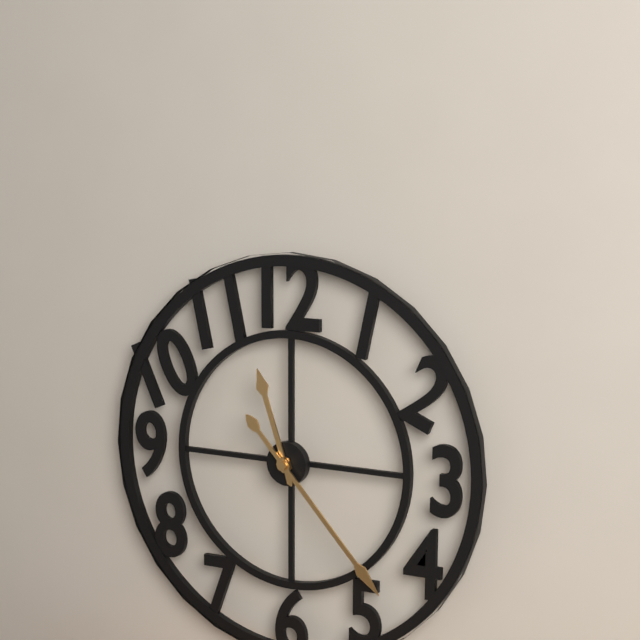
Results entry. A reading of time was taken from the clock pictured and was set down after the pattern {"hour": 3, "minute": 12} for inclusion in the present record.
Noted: {"hour": 11, "minute": 23}
